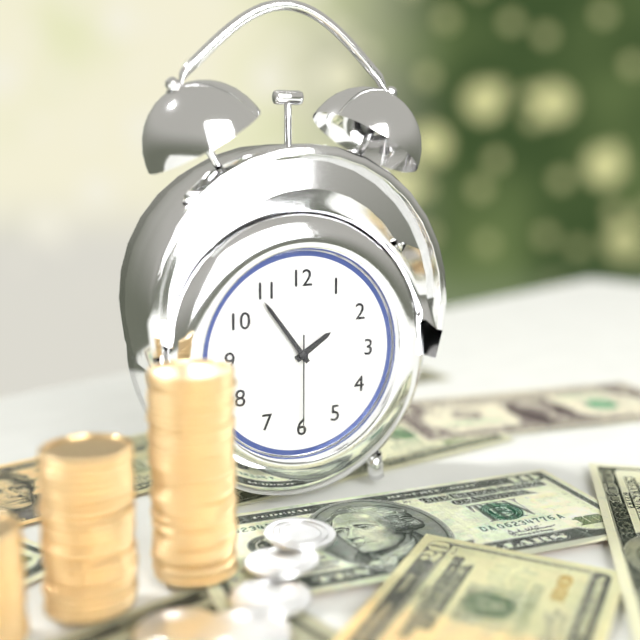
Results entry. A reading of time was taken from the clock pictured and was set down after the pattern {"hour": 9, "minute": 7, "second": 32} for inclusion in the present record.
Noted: {"hour": 1, "minute": 54, "second": 30}
